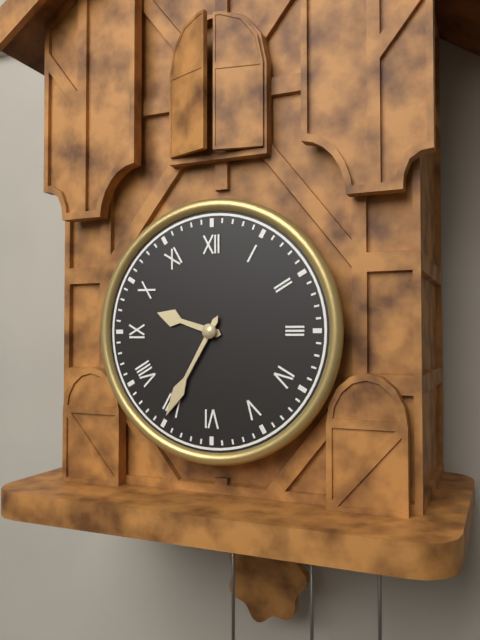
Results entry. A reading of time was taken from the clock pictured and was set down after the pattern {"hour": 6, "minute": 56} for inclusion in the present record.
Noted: {"hour": 9, "minute": 35}
